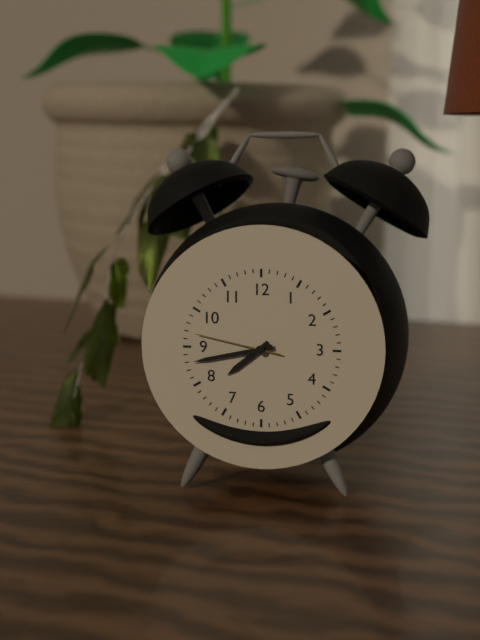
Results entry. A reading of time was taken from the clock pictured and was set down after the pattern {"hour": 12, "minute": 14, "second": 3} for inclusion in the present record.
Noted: {"hour": 7, "minute": 43, "second": 47}
